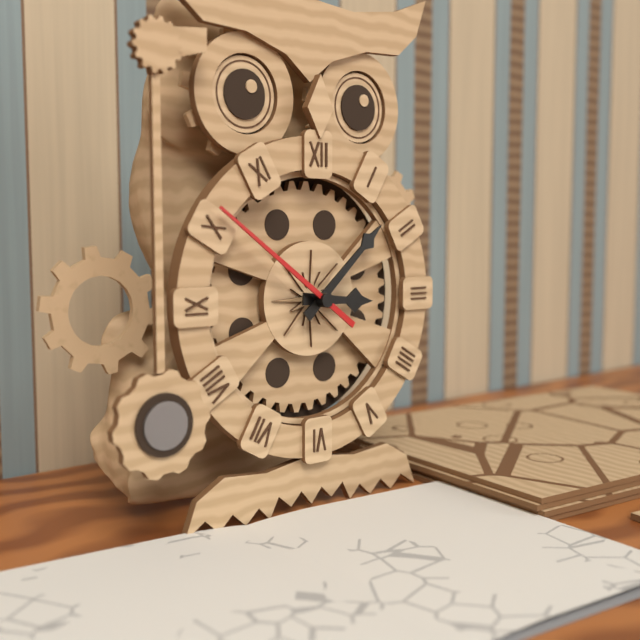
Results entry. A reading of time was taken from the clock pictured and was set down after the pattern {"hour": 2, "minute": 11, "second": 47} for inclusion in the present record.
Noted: {"hour": 3, "minute": 8, "second": 51}
